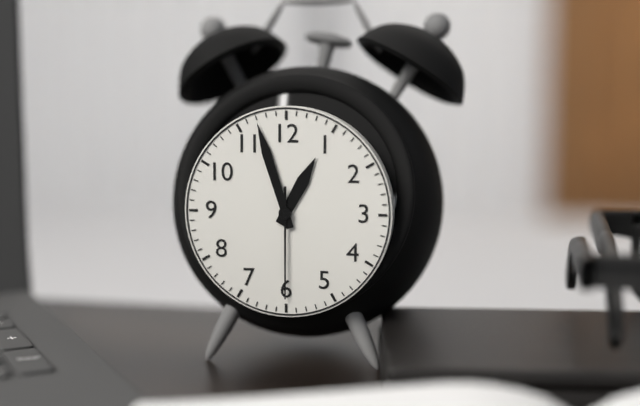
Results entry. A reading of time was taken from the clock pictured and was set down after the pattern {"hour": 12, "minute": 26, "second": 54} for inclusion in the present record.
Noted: {"hour": 12, "minute": 57, "second": 30}
